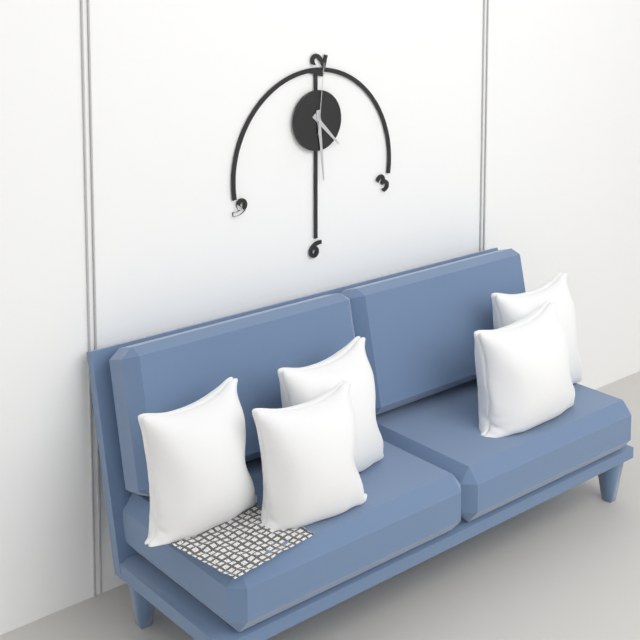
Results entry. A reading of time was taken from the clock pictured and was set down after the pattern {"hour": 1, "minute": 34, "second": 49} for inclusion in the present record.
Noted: {"hour": 4, "minute": 29, "second": 1}
